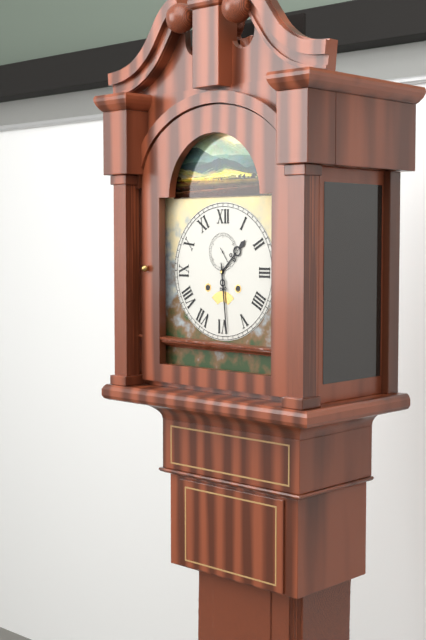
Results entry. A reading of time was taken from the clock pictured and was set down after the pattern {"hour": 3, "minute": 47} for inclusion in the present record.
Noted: {"hour": 1, "minute": 29}
